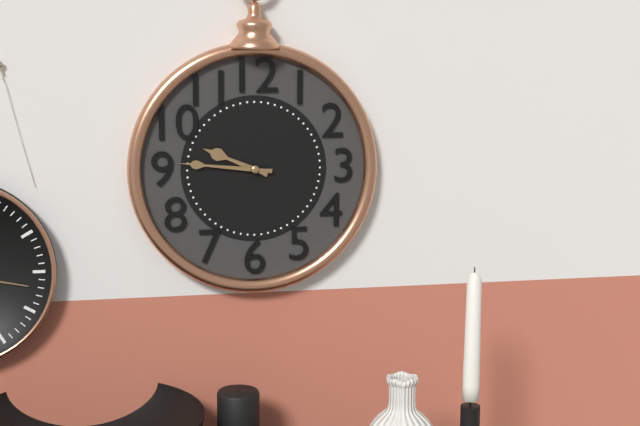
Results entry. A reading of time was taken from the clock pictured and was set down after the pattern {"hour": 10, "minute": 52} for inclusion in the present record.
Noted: {"hour": 9, "minute": 46}
